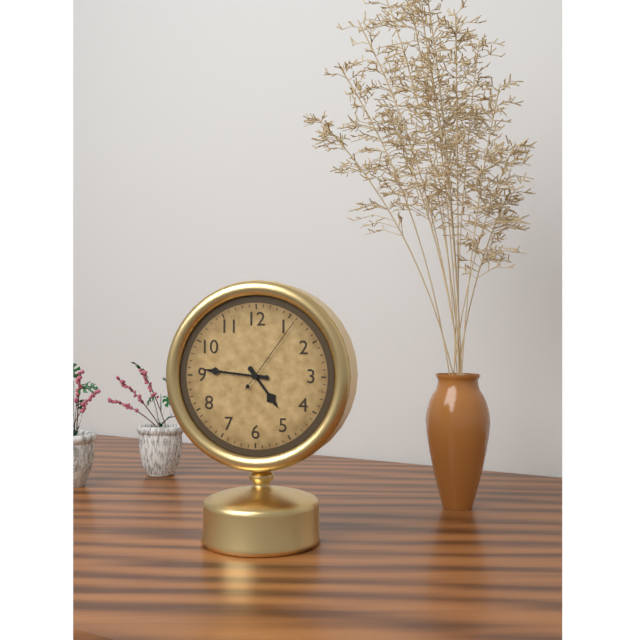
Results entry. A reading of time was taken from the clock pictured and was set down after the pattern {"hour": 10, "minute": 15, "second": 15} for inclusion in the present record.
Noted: {"hour": 4, "minute": 46, "second": 6}
